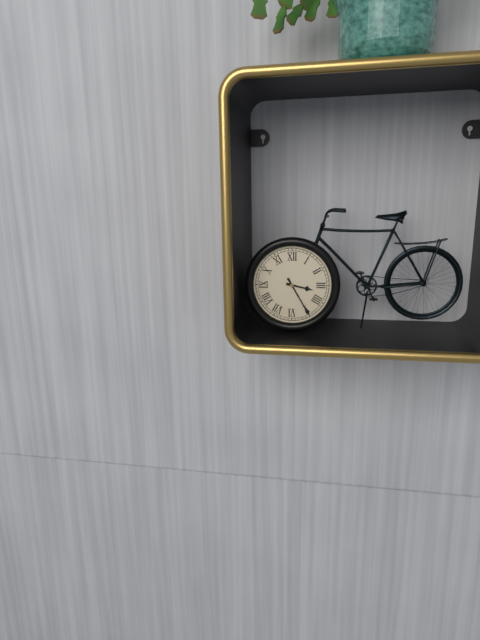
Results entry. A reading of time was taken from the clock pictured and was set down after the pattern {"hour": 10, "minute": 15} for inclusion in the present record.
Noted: {"hour": 3, "minute": 25}
